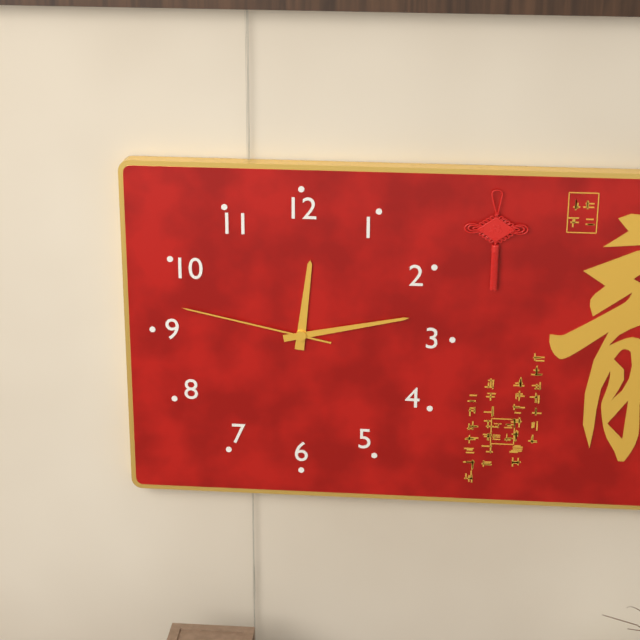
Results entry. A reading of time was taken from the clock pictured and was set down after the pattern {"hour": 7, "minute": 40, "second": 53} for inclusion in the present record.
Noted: {"hour": 12, "minute": 13, "second": 47}
